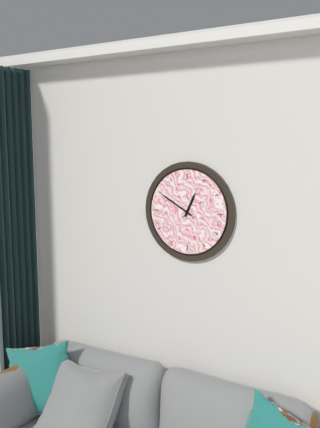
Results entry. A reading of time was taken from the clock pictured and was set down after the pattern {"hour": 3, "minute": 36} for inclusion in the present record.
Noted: {"hour": 12, "minute": 50}
